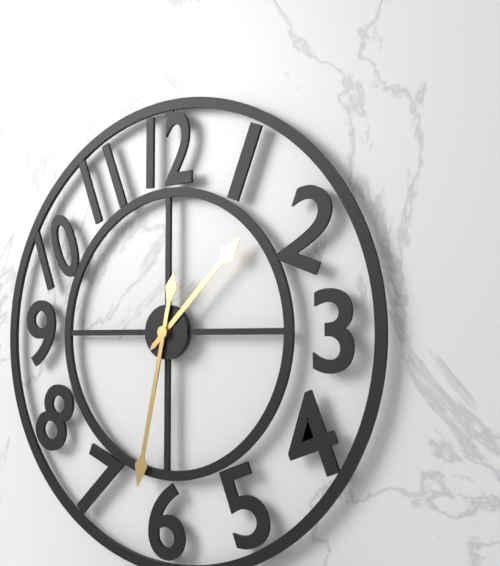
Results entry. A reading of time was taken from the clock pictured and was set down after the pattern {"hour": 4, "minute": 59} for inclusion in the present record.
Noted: {"hour": 1, "minute": 32}
